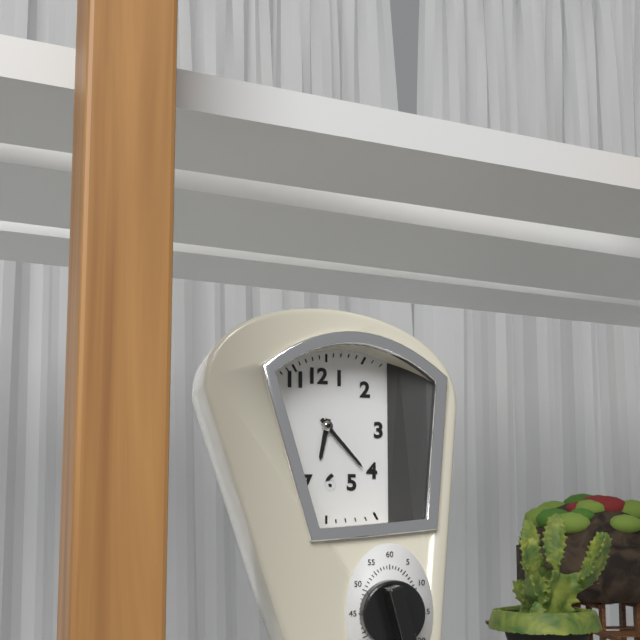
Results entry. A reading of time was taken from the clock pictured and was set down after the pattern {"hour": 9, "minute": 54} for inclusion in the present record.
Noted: {"hour": 6, "minute": 23}
